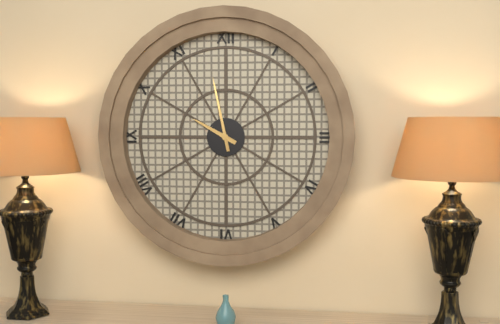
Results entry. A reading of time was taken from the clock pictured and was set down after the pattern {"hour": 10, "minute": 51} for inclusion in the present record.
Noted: {"hour": 9, "minute": 58}
